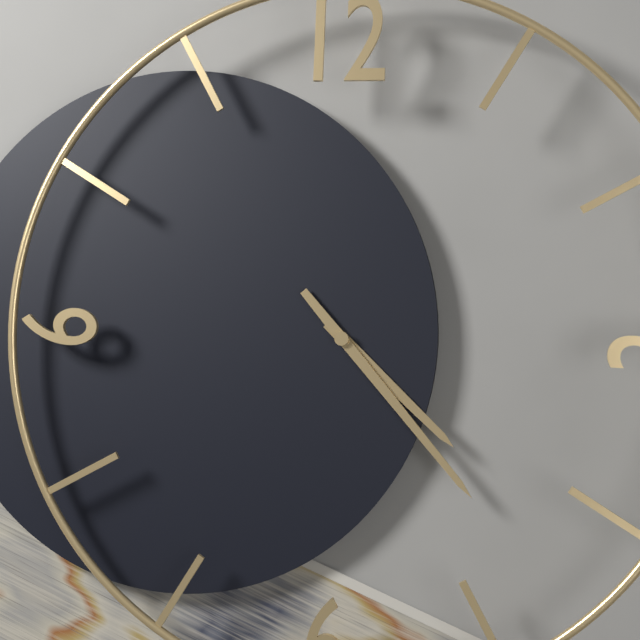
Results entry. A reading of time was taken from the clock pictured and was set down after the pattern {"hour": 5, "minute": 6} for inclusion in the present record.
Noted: {"hour": 4, "minute": 23}
